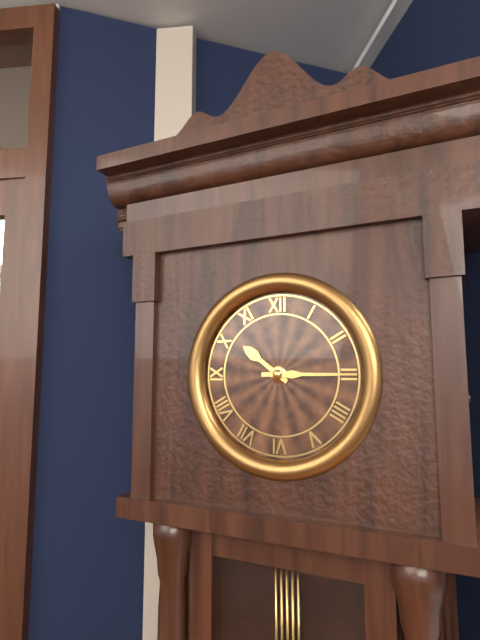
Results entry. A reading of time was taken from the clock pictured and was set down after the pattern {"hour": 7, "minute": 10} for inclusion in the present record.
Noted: {"hour": 10, "minute": 15}
